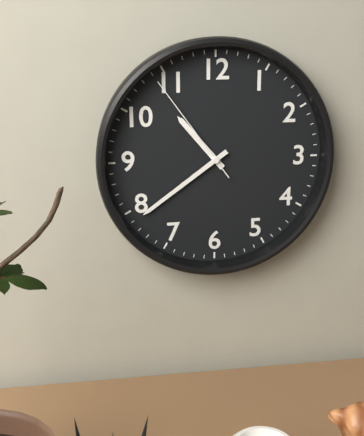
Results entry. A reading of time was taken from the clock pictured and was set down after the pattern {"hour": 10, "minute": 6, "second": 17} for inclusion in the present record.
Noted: {"hour": 10, "minute": 39, "second": 54}
